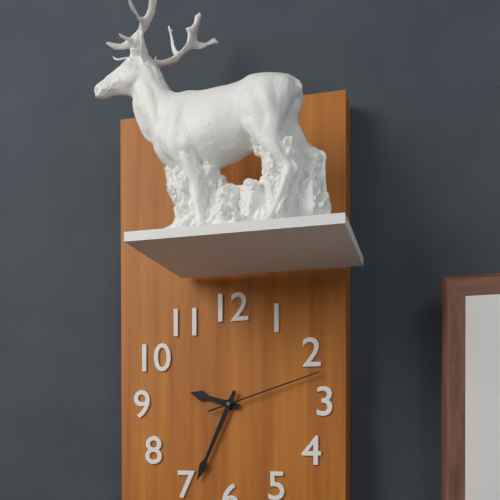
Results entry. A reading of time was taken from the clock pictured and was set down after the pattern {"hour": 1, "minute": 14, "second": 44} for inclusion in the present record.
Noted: {"hour": 9, "minute": 34, "second": 12}
